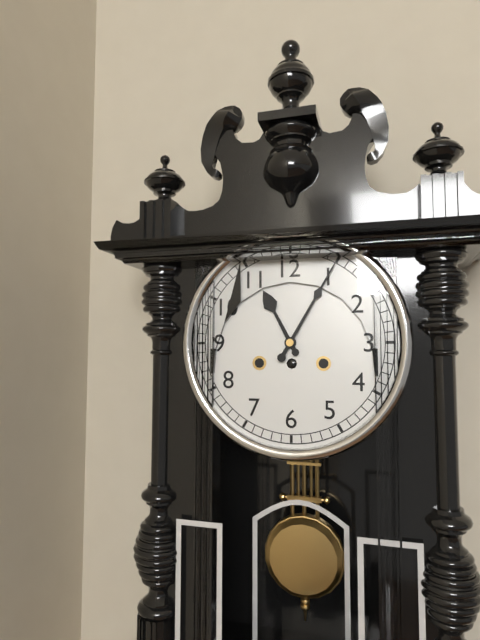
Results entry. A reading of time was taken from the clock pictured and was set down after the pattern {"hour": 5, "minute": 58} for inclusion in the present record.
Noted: {"hour": 11, "minute": 5}
